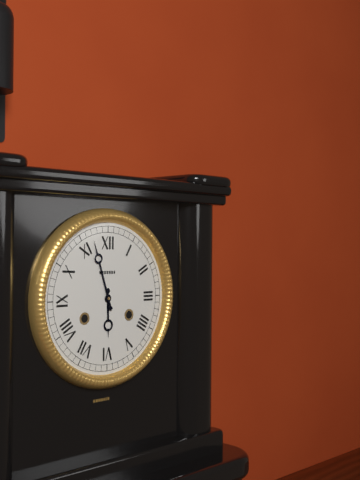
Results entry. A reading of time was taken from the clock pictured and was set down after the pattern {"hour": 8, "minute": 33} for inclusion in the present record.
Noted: {"hour": 5, "minute": 57}
